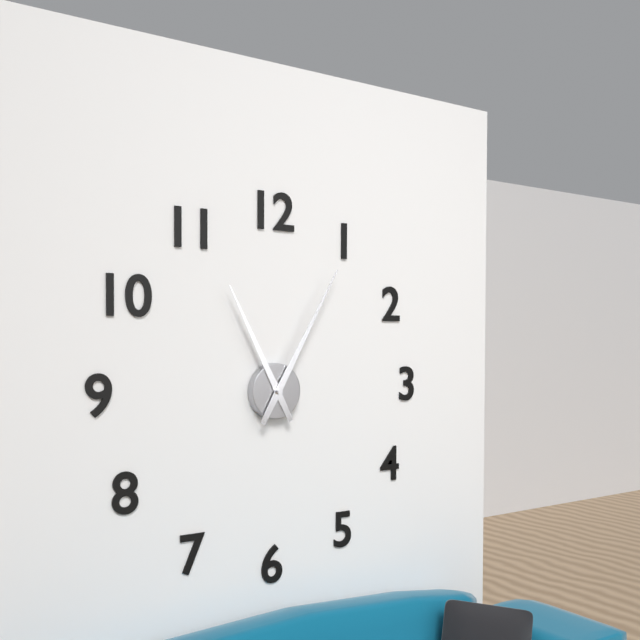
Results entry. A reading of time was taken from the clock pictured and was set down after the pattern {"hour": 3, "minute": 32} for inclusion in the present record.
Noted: {"hour": 11, "minute": 5}
